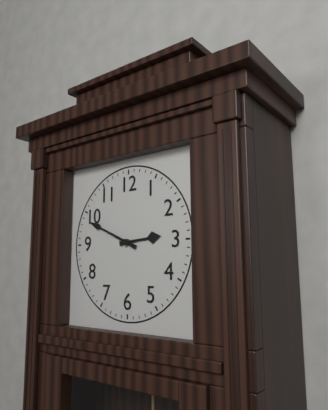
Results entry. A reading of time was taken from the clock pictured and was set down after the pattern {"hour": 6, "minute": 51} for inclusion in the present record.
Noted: {"hour": 2, "minute": 49}
